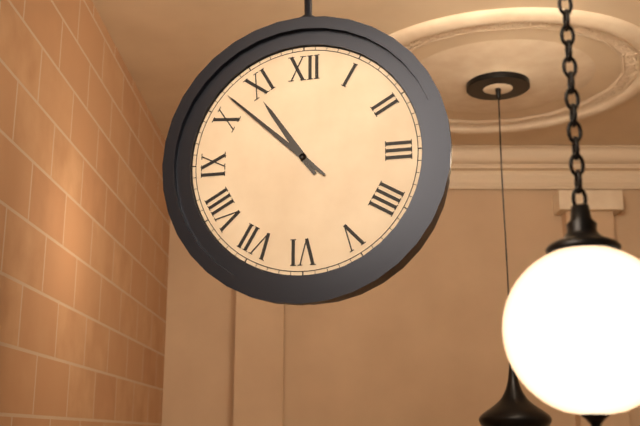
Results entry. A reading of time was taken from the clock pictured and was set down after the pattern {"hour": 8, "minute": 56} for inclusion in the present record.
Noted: {"hour": 10, "minute": 52}
